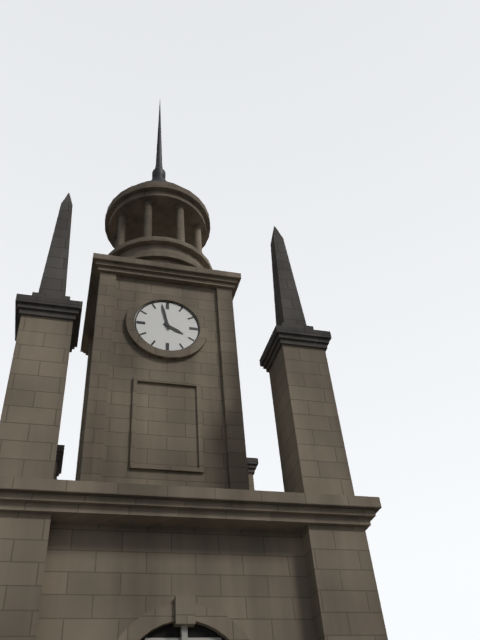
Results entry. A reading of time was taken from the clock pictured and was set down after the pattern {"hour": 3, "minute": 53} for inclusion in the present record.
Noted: {"hour": 3, "minute": 58}
